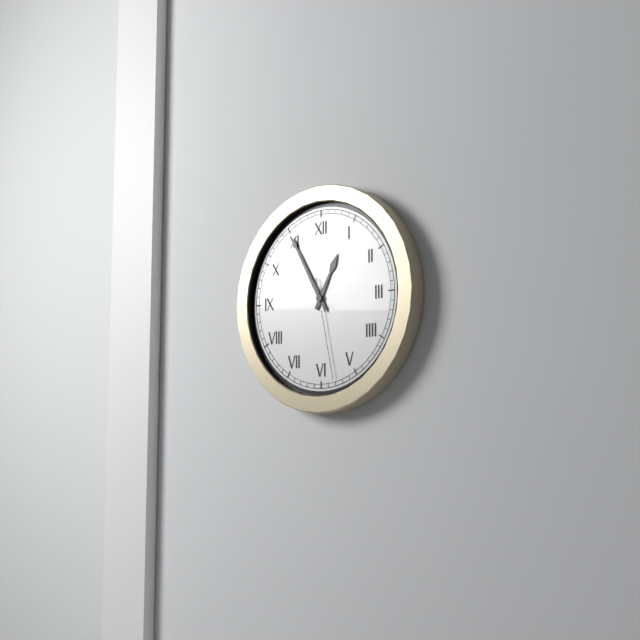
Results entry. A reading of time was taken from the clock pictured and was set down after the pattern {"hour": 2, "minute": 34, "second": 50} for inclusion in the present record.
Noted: {"hour": 12, "minute": 55, "second": 28}
